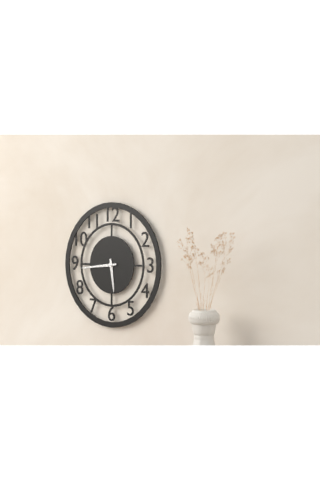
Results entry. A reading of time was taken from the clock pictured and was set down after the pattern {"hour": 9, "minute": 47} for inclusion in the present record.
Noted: {"hour": 5, "minute": 44}
